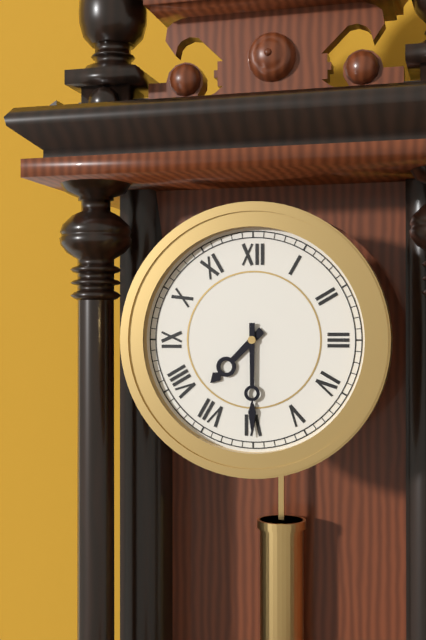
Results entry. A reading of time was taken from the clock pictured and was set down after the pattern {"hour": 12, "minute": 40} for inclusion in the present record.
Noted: {"hour": 7, "minute": 30}
